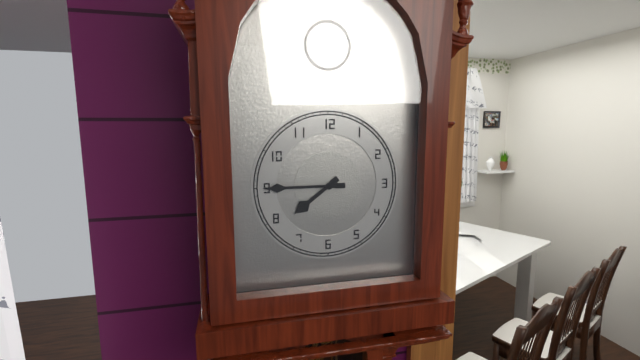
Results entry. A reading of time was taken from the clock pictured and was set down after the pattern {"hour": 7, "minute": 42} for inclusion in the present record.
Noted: {"hour": 7, "minute": 45}
